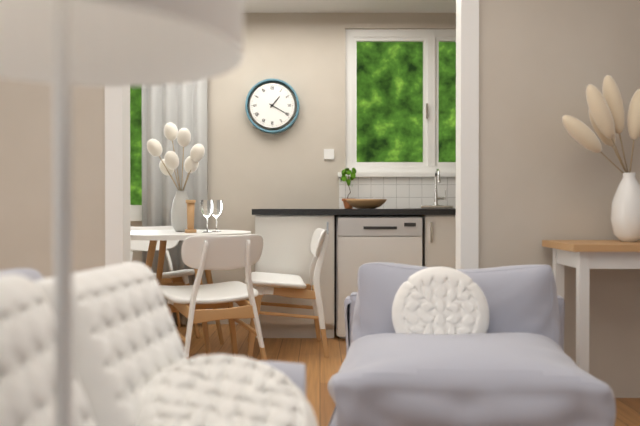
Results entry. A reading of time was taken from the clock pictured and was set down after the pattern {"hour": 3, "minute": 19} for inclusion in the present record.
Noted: {"hour": 1, "minute": 20}
